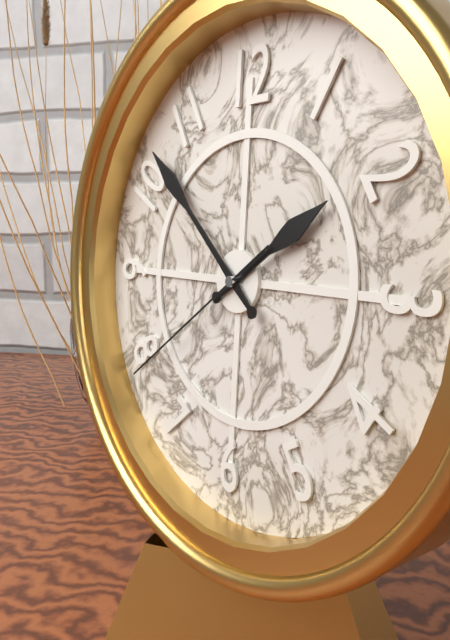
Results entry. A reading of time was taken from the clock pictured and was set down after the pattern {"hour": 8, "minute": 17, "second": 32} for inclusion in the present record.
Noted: {"hour": 1, "minute": 52, "second": 39}
